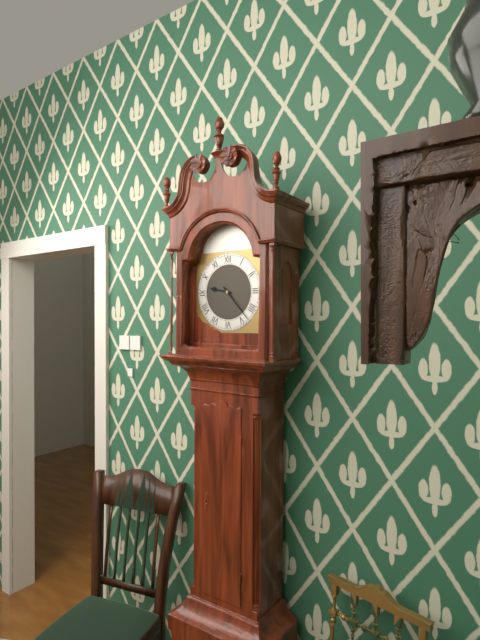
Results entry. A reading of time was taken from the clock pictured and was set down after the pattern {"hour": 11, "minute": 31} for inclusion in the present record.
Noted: {"hour": 9, "minute": 23}
